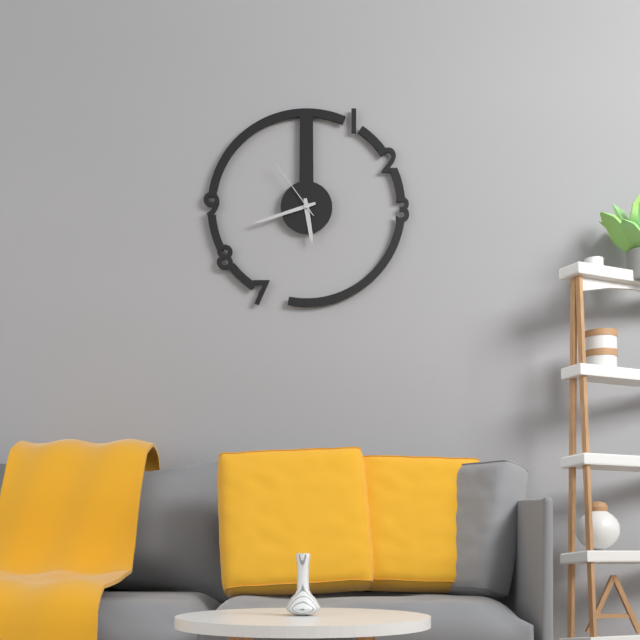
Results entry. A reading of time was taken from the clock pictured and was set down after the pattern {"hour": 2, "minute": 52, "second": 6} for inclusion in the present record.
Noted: {"hour": 5, "minute": 42, "second": 54}
